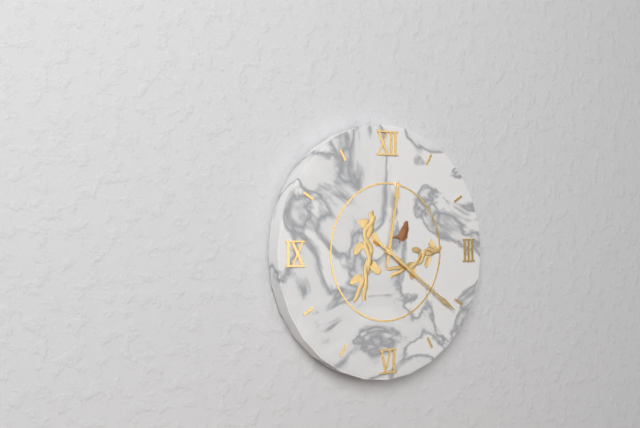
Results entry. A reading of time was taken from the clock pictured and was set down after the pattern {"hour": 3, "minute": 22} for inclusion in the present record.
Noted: {"hour": 12, "minute": 21}
